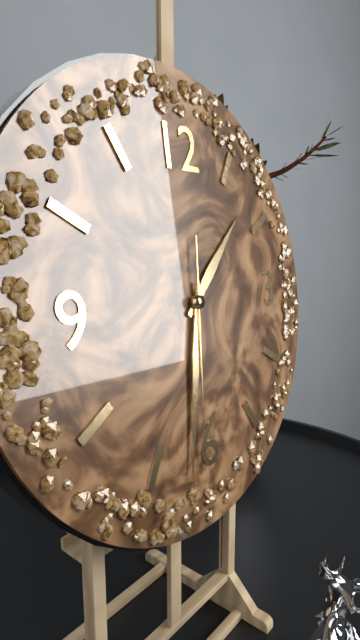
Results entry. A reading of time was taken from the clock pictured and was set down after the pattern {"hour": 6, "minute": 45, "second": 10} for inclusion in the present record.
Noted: {"hour": 1, "minute": 32, "second": 31}
